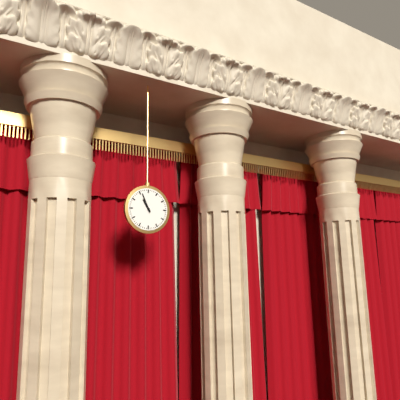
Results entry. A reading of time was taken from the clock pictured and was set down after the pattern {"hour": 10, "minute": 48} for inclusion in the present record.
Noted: {"hour": 10, "minute": 56}
